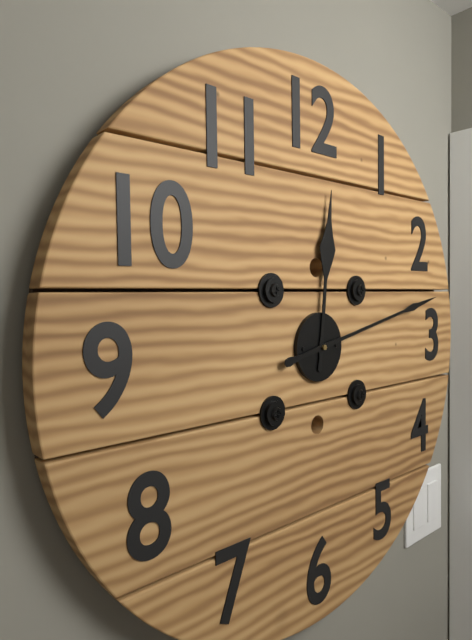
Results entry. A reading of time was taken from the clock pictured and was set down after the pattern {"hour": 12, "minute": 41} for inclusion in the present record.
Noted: {"hour": 12, "minute": 13}
